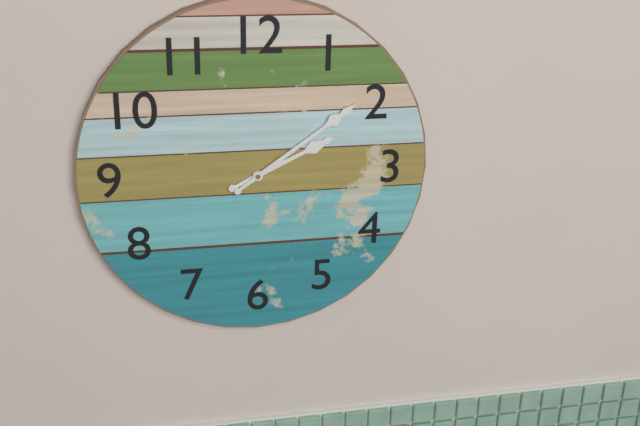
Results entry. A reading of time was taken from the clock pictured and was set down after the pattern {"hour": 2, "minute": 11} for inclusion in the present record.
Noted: {"hour": 2, "minute": 9}
